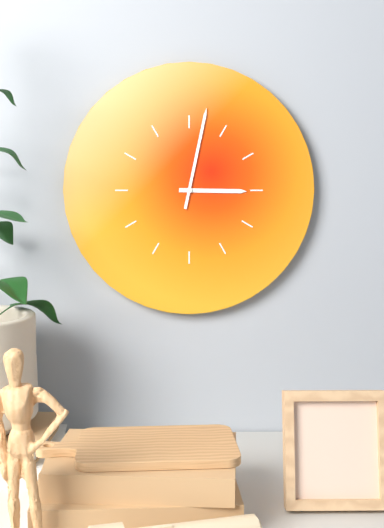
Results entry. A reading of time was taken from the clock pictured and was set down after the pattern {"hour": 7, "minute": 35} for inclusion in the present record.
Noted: {"hour": 3, "minute": 2}
